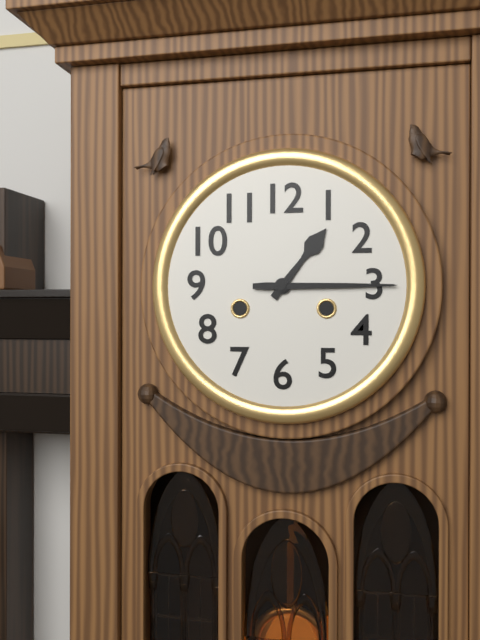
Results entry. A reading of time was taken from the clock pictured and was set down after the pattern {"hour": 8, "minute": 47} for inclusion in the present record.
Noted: {"hour": 1, "minute": 15}
